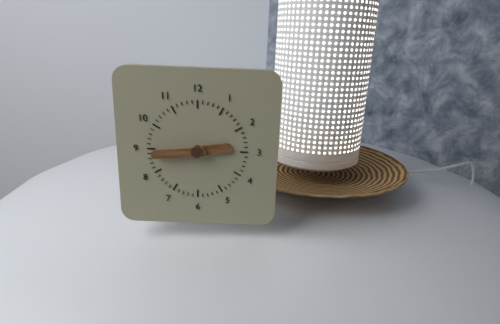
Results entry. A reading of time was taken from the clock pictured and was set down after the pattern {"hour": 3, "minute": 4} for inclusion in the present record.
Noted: {"hour": 2, "minute": 44}
